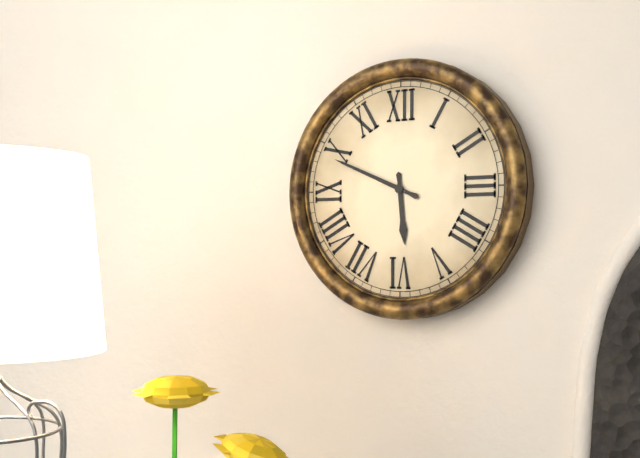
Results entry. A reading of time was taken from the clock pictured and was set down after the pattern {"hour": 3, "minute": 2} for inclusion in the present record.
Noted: {"hour": 5, "minute": 49}
